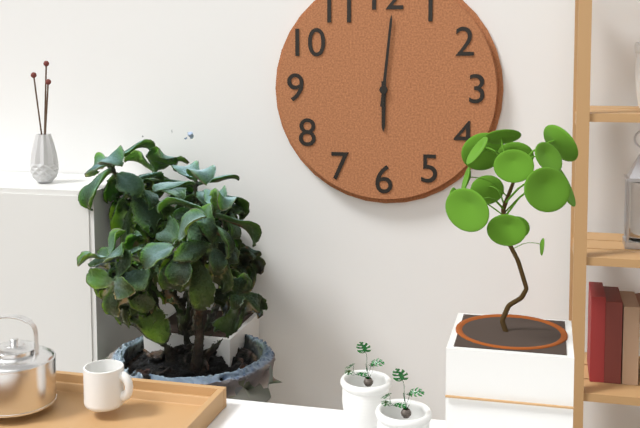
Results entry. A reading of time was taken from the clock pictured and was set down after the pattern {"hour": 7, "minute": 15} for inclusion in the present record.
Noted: {"hour": 6, "minute": 1}
